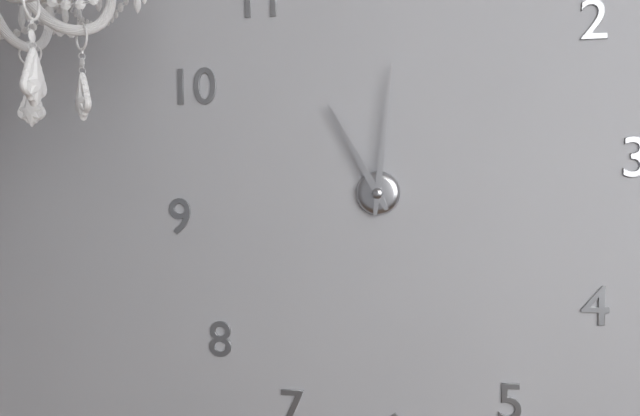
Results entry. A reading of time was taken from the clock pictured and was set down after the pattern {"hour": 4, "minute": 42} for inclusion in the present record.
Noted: {"hour": 11, "minute": 1}
